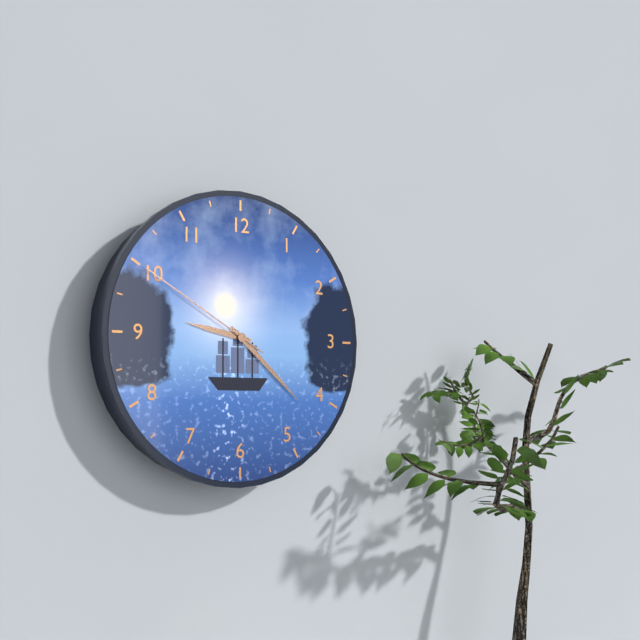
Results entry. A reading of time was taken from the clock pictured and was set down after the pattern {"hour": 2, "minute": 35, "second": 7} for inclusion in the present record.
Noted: {"hour": 9, "minute": 22, "second": 50}
